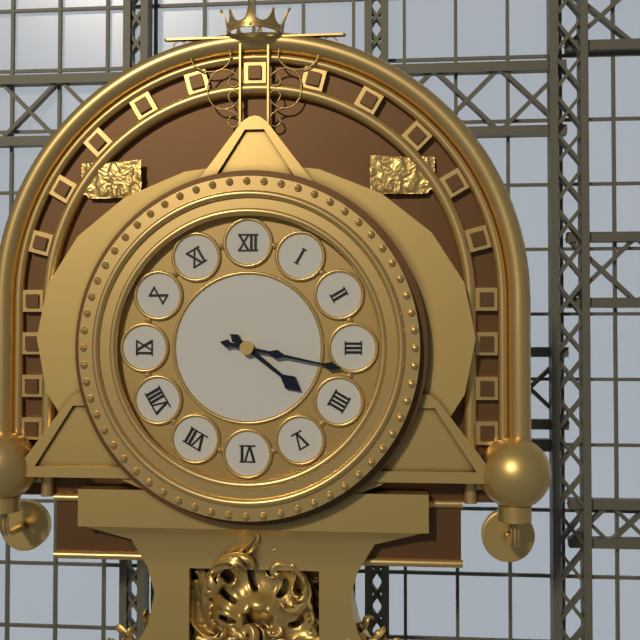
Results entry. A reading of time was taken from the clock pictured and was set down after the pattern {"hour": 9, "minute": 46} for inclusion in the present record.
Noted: {"hour": 4, "minute": 17}
